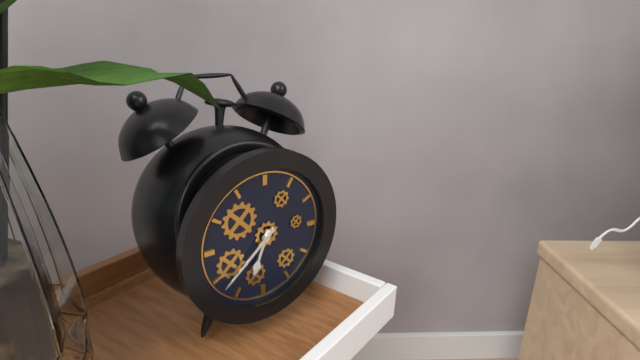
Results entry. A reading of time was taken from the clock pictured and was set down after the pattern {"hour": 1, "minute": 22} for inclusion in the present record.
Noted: {"hour": 6, "minute": 38}
